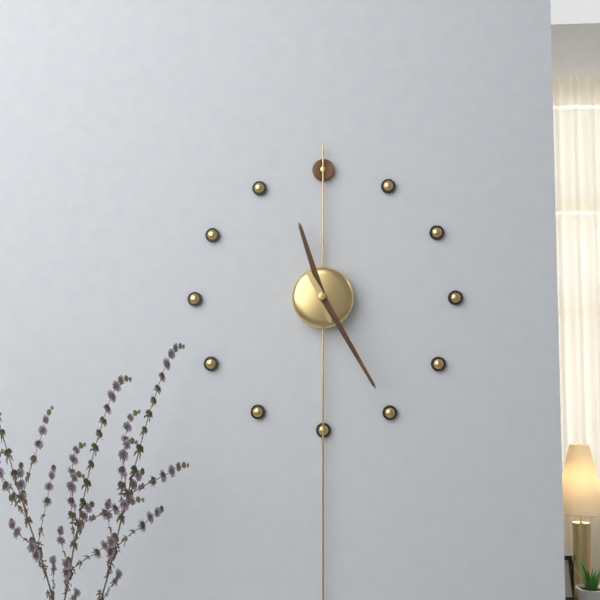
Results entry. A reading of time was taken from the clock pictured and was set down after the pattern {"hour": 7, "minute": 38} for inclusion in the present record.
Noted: {"hour": 11, "minute": 25}
